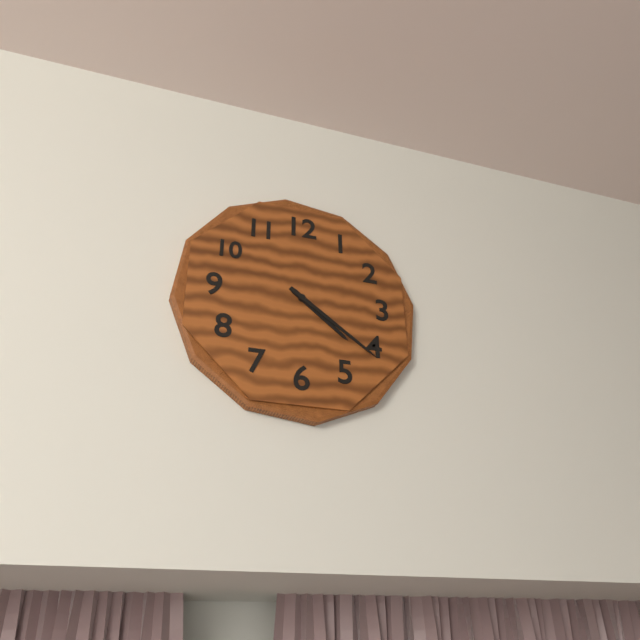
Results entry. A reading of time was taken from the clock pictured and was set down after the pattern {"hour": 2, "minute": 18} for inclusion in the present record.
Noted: {"hour": 4, "minute": 21}
